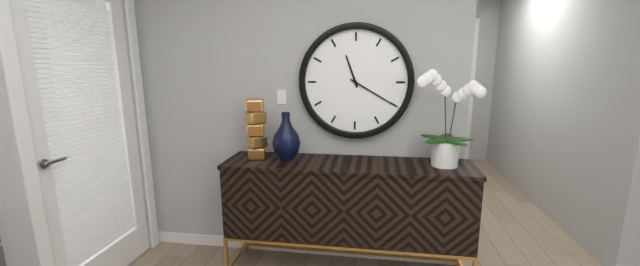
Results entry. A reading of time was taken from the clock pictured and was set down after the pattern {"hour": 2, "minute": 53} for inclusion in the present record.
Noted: {"hour": 11, "minute": 20}
